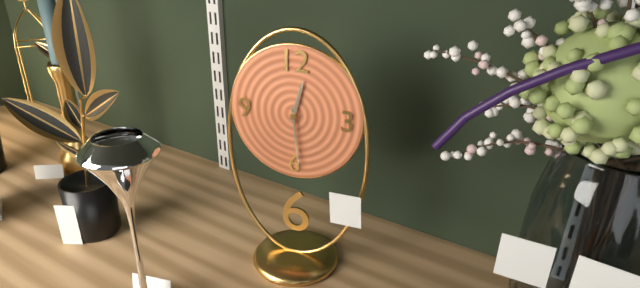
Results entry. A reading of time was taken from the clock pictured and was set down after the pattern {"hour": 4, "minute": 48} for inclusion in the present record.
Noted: {"hour": 12, "minute": 29}
